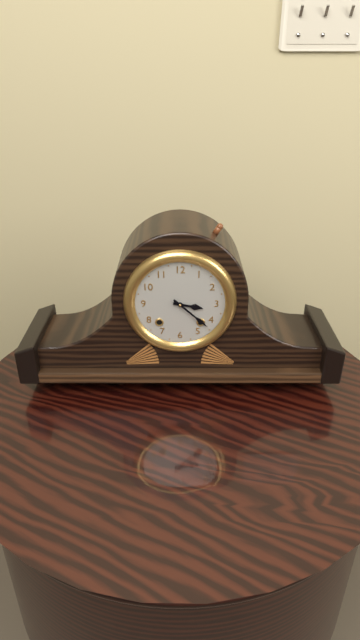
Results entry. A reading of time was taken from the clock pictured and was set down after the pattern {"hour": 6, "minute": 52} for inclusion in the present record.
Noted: {"hour": 3, "minute": 22}
